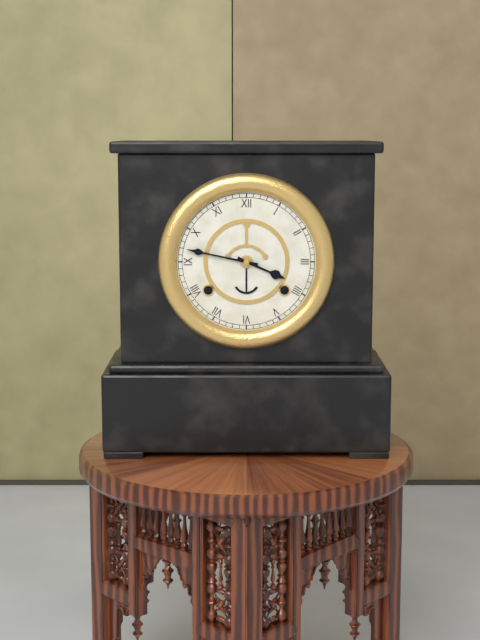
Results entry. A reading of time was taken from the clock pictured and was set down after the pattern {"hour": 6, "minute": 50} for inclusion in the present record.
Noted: {"hour": 3, "minute": 47}
